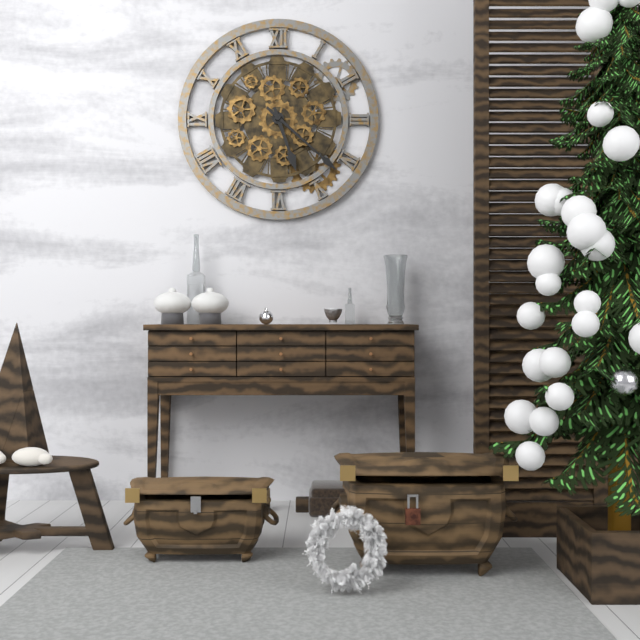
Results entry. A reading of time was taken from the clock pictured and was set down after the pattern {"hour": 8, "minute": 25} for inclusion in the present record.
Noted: {"hour": 5, "minute": 22}
